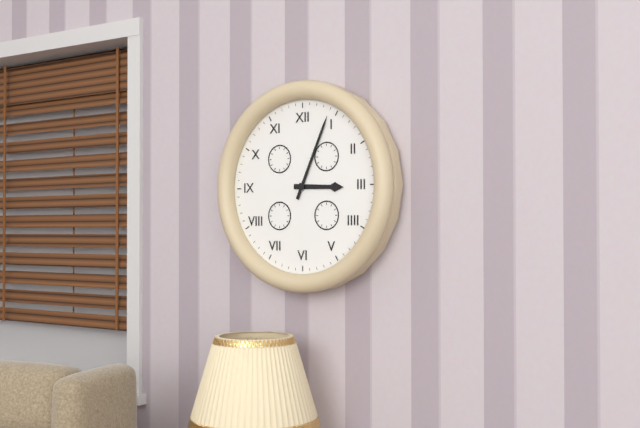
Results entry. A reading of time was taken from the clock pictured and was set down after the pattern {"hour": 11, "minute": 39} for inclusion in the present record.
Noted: {"hour": 3, "minute": 4}
